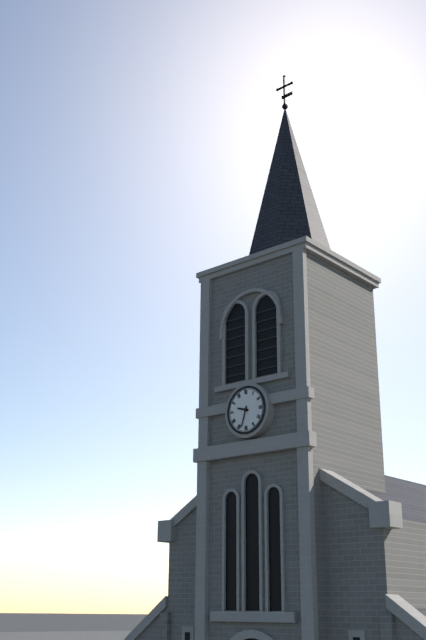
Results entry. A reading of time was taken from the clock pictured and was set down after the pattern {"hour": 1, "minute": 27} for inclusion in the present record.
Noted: {"hour": 9, "minute": 33}
